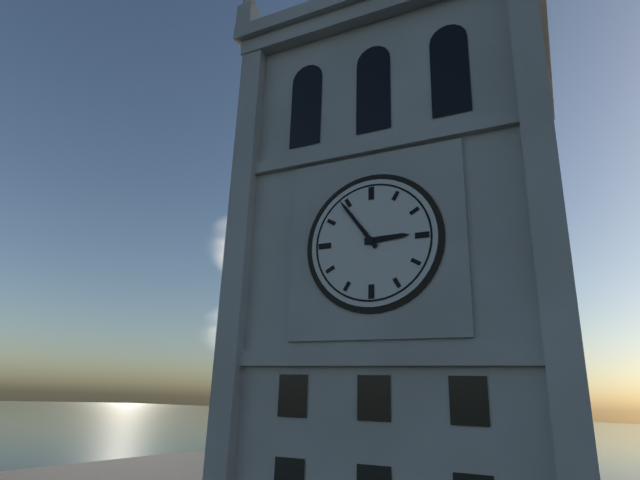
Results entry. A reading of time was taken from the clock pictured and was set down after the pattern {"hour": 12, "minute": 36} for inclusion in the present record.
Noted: {"hour": 2, "minute": 54}
